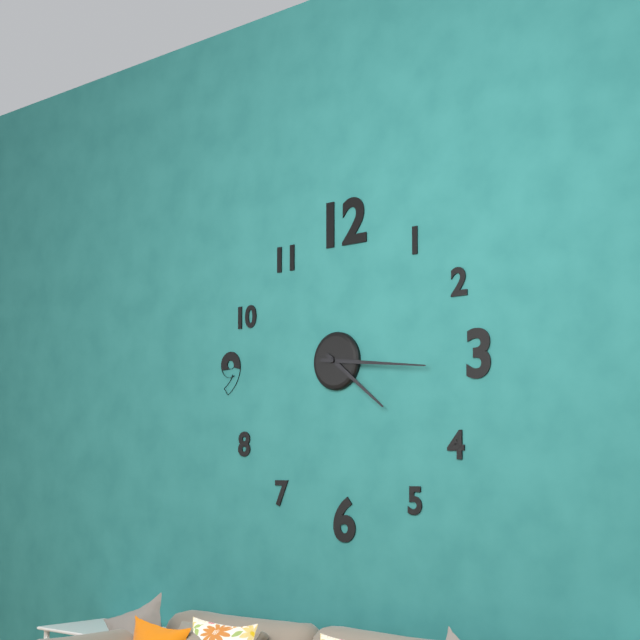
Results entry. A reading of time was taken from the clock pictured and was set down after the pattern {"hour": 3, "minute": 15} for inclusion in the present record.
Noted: {"hour": 4, "minute": 16}
